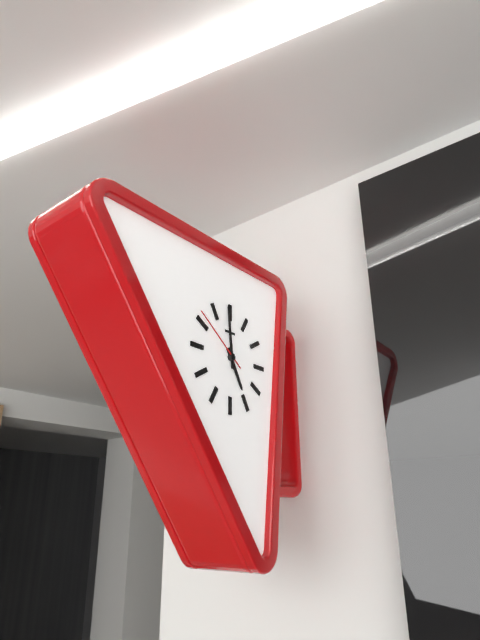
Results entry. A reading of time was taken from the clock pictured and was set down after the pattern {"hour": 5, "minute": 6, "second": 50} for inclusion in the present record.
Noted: {"hour": 4, "minute": 59, "second": 51}
